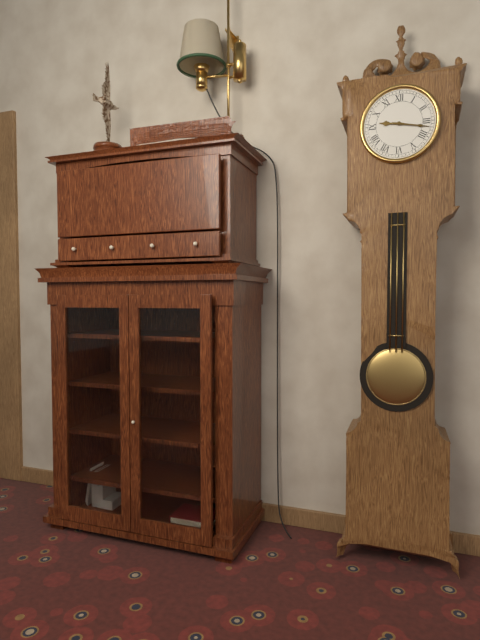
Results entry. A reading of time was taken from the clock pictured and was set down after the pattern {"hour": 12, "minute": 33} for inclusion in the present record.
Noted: {"hour": 9, "minute": 17}
